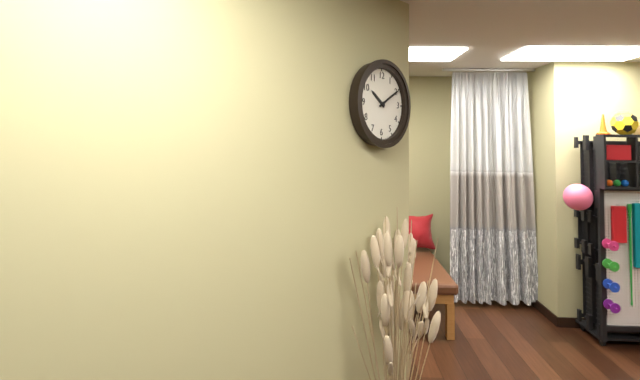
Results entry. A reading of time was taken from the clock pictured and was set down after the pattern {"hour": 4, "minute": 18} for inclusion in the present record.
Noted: {"hour": 10, "minute": 10}
